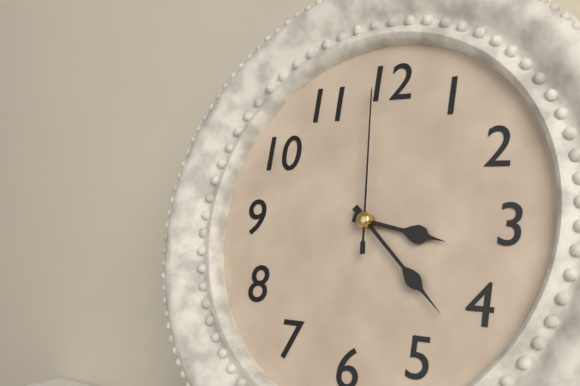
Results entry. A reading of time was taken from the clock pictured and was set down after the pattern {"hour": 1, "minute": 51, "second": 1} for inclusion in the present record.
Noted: {"hour": 3, "minute": 22, "second": 59}
